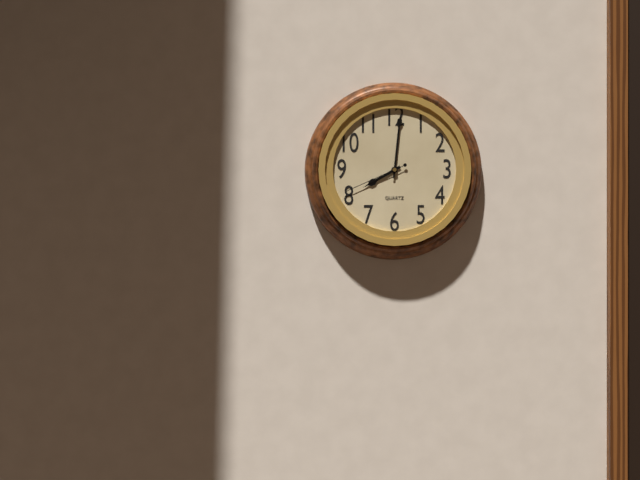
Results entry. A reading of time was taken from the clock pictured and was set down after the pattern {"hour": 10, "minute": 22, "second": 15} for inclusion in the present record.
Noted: {"hour": 8, "minute": 1, "second": 41}
